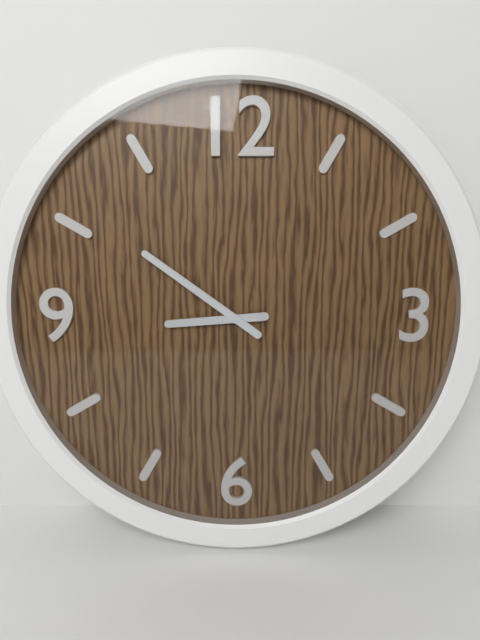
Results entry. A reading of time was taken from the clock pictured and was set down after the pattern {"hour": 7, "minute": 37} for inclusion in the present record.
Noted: {"hour": 8, "minute": 51}
